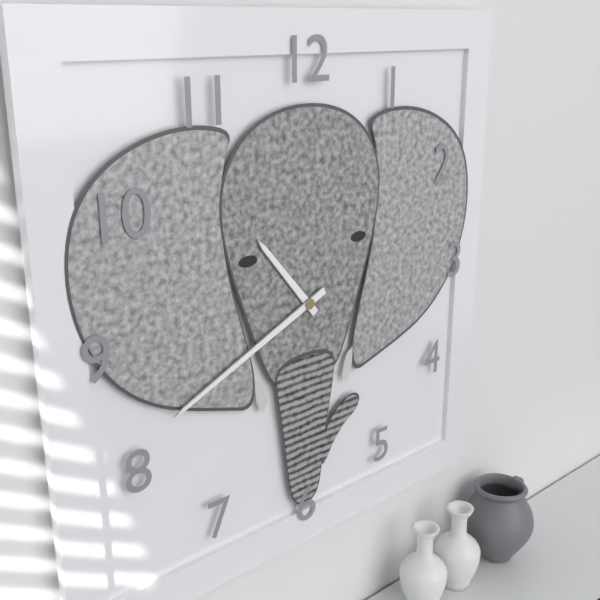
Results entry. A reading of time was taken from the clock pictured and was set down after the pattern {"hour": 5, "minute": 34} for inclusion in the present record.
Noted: {"hour": 10, "minute": 41}
